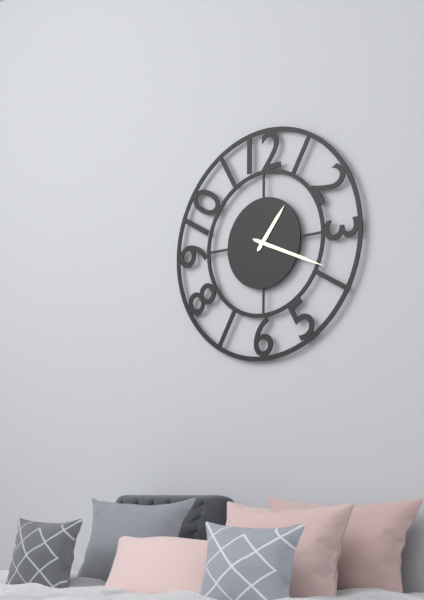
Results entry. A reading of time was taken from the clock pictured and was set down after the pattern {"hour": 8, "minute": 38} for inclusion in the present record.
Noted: {"hour": 1, "minute": 19}
